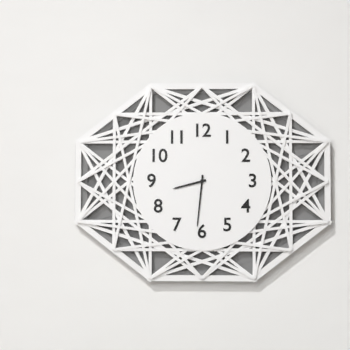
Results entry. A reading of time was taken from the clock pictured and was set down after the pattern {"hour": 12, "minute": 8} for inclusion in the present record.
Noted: {"hour": 8, "minute": 31}
